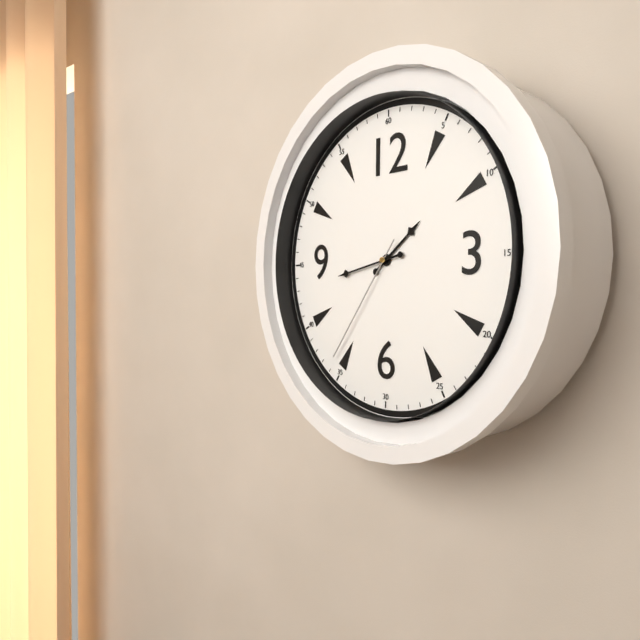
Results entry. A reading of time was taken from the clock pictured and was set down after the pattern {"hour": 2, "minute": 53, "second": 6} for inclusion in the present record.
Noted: {"hour": 1, "minute": 43, "second": 36}
